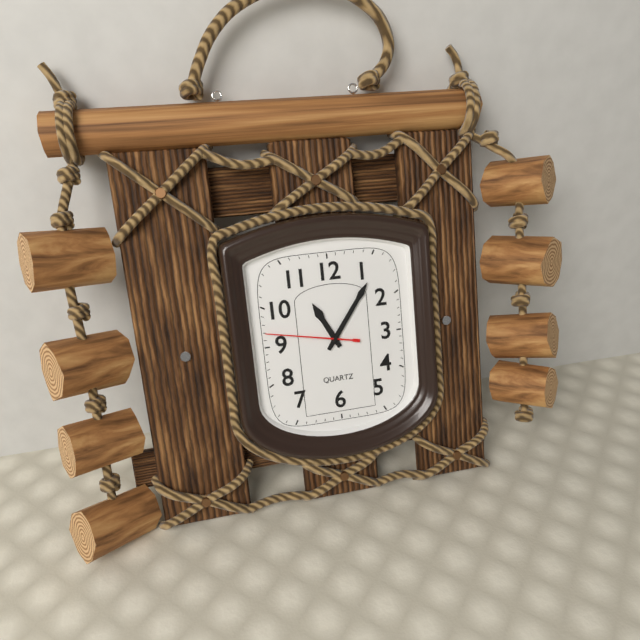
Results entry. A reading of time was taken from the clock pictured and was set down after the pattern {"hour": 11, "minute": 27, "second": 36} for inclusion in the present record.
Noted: {"hour": 11, "minute": 6, "second": 47}
